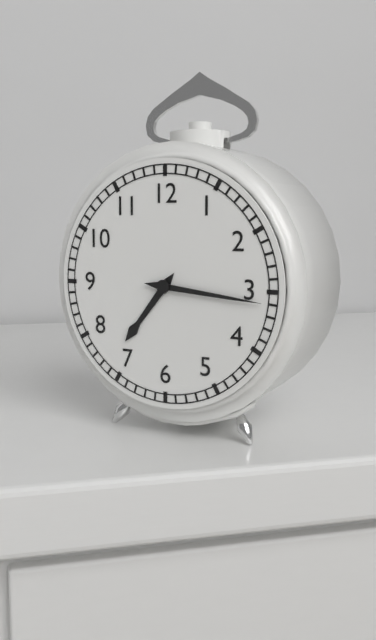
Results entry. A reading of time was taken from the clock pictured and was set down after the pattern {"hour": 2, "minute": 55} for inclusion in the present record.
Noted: {"hour": 7, "minute": 16}
